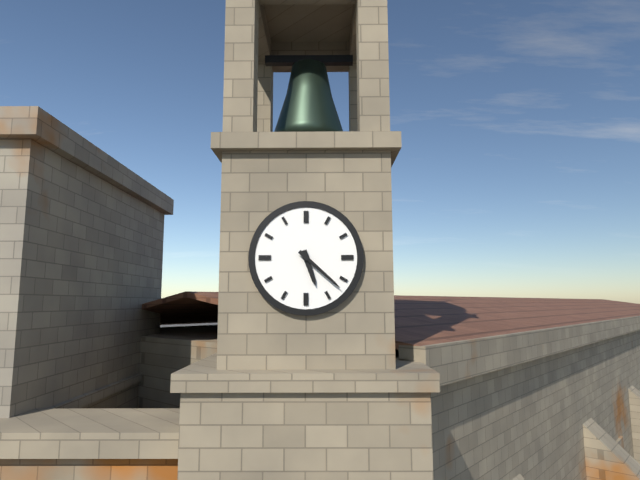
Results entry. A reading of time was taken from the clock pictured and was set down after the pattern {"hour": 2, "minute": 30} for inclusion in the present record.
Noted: {"hour": 5, "minute": 22}
